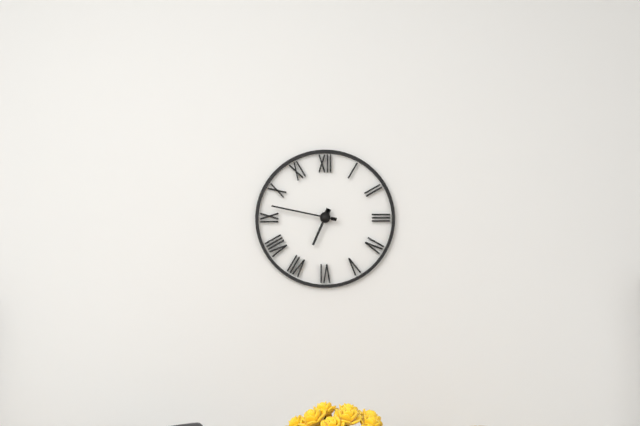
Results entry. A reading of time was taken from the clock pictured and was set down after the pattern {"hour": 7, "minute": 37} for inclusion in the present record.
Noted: {"hour": 6, "minute": 47}
